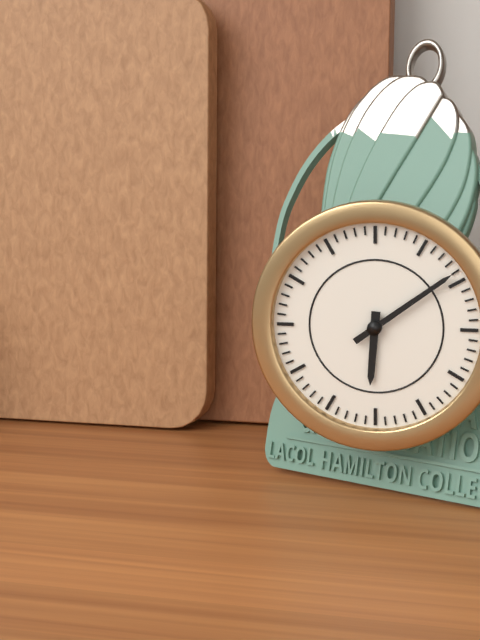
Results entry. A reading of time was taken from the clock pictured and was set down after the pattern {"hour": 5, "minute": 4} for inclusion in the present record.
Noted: {"hour": 6, "minute": 9}
